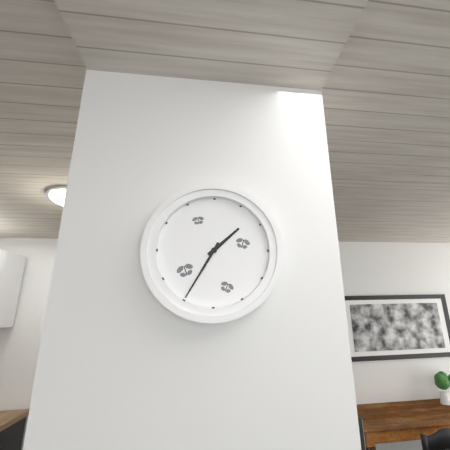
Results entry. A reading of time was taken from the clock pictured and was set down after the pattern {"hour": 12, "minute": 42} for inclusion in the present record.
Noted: {"hour": 1, "minute": 35}
